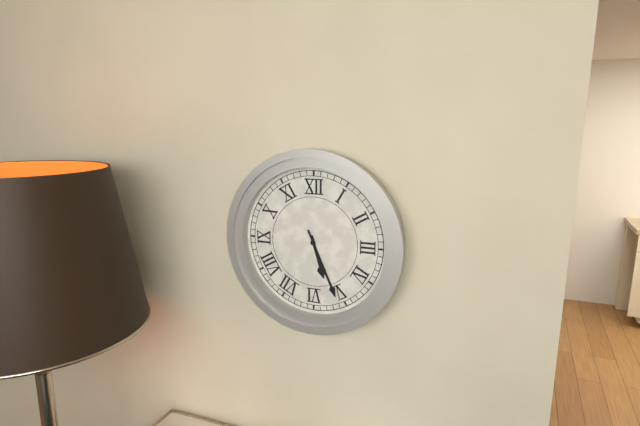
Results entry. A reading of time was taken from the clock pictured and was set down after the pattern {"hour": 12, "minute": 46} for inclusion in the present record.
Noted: {"hour": 5, "minute": 26}
